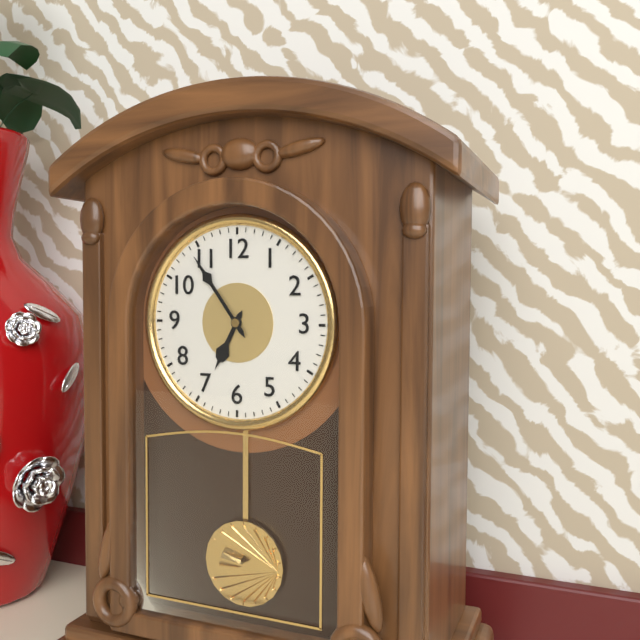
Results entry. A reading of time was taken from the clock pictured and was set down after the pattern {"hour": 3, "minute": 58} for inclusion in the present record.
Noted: {"hour": 6, "minute": 54}
